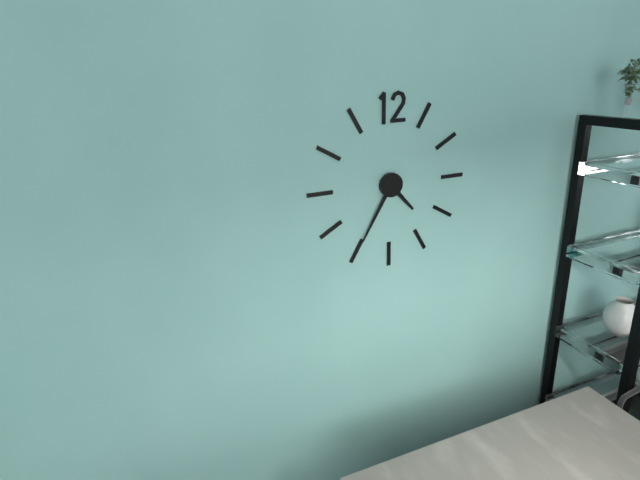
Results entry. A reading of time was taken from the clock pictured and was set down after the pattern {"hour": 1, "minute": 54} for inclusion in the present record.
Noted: {"hour": 4, "minute": 35}
